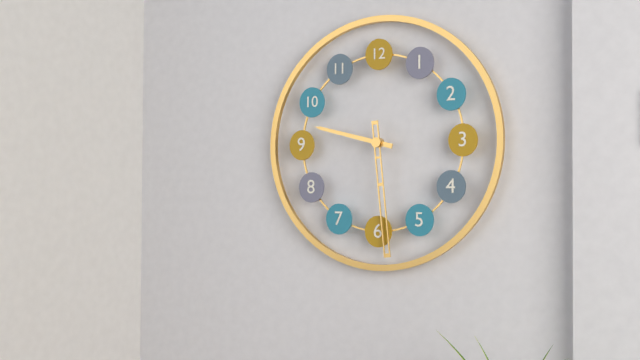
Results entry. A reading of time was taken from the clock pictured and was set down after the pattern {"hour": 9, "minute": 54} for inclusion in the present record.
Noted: {"hour": 9, "minute": 29}
